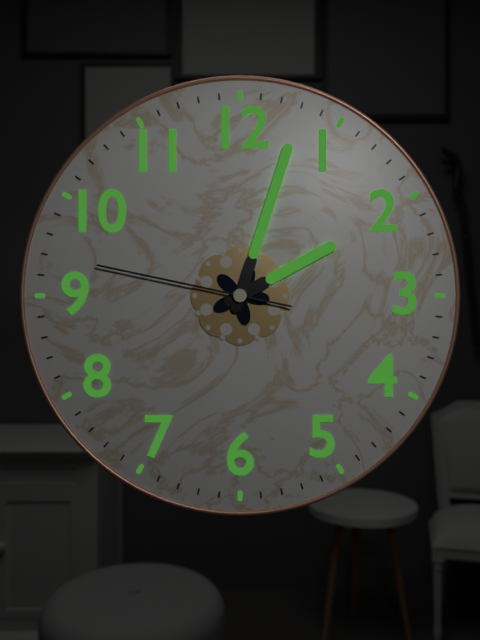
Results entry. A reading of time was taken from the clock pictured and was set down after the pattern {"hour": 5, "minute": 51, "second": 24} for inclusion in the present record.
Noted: {"hour": 2, "minute": 3, "second": 47}
